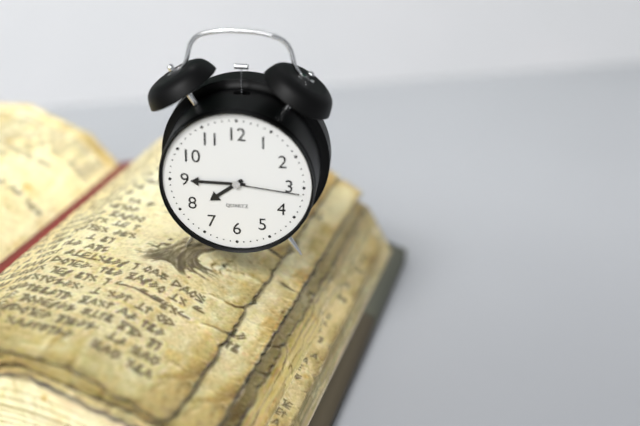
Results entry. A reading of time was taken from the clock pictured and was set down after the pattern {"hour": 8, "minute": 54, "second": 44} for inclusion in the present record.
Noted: {"hour": 7, "minute": 45, "second": 16}
